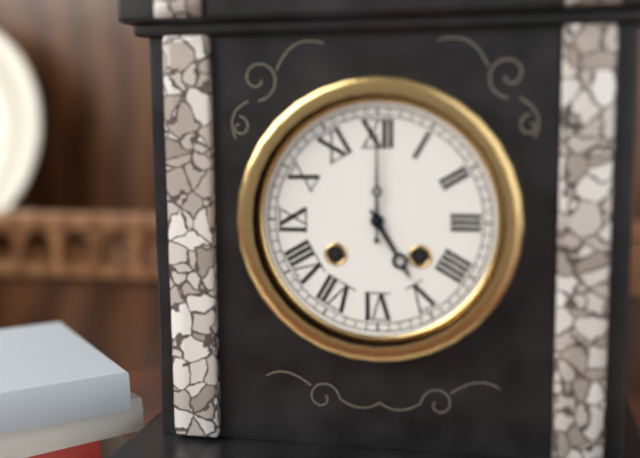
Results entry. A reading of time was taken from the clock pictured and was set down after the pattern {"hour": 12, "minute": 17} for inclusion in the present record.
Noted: {"hour": 5, "minute": 0}
